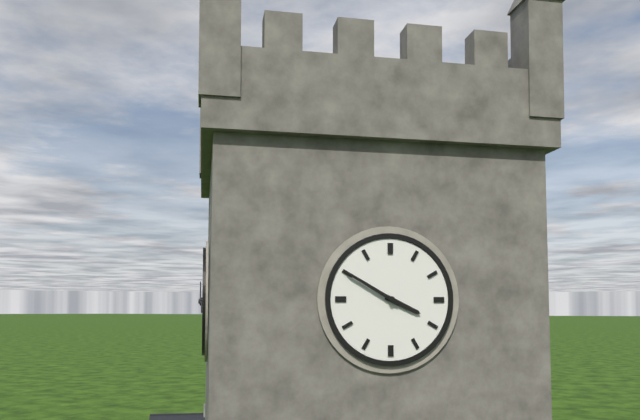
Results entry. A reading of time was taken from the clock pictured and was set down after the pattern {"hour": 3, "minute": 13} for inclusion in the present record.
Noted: {"hour": 3, "minute": 50}
